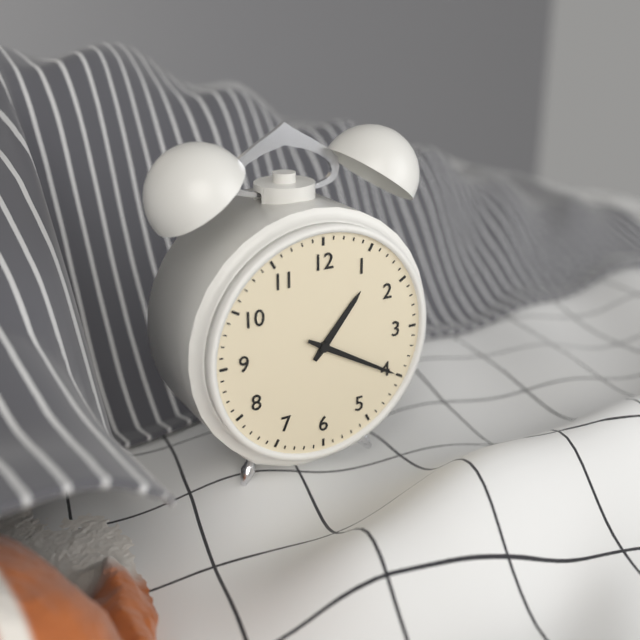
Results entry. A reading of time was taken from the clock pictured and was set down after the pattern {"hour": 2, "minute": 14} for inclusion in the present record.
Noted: {"hour": 1, "minute": 20}
